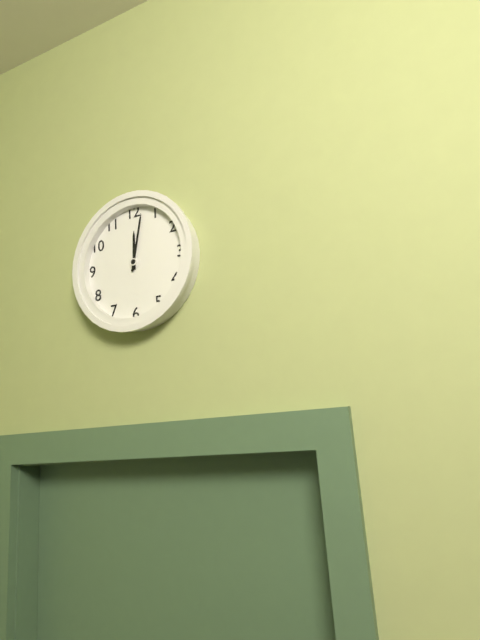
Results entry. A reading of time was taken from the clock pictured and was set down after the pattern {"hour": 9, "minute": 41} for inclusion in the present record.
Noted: {"hour": 12, "minute": 2}
